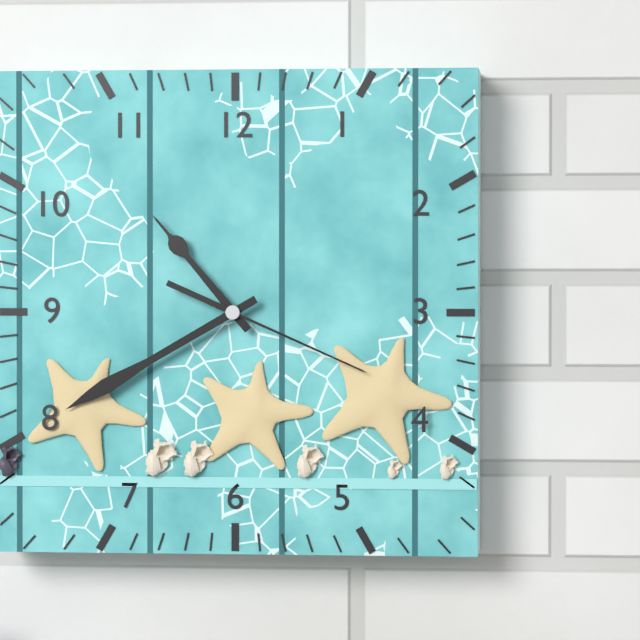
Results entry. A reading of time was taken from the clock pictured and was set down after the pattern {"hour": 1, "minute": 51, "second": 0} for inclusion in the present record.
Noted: {"hour": 10, "minute": 40, "second": 19}
